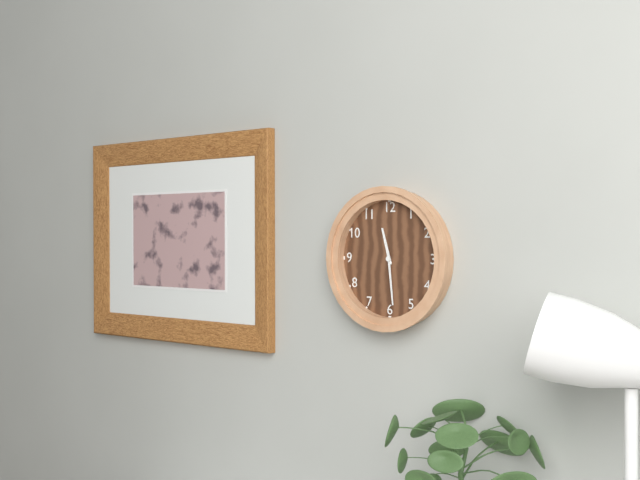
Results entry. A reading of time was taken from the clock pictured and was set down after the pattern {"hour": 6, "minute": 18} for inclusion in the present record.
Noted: {"hour": 11, "minute": 29}
